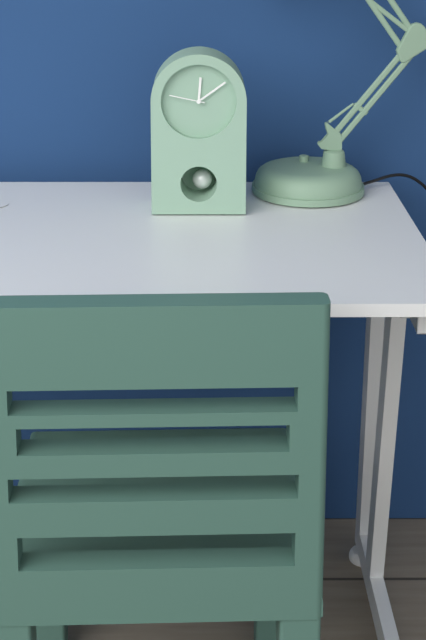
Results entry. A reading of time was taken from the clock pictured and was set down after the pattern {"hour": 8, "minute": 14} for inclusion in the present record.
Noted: {"hour": 12, "minute": 9}
